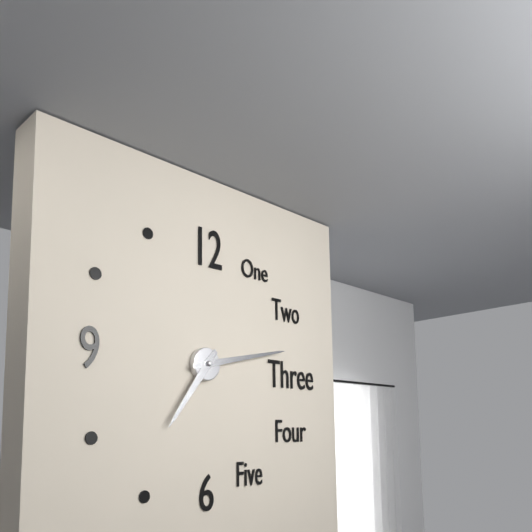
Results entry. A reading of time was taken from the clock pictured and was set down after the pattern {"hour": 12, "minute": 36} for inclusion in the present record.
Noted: {"hour": 7, "minute": 13}
